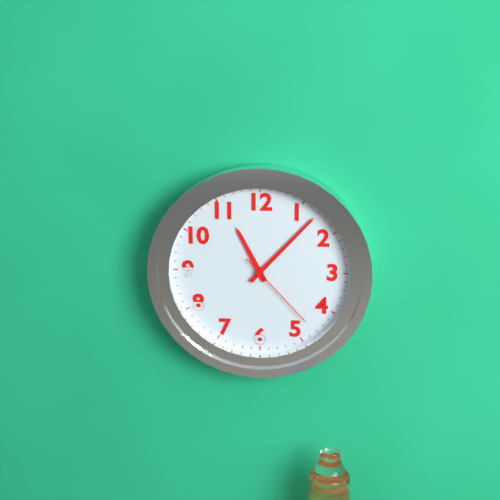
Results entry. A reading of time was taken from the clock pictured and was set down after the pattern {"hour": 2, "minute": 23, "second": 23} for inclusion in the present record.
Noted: {"hour": 11, "minute": 7, "second": 23}
